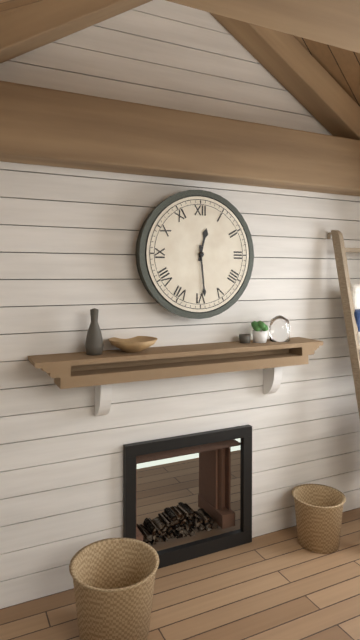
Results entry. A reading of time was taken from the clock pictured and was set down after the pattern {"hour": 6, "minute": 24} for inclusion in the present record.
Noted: {"hour": 12, "minute": 29}
